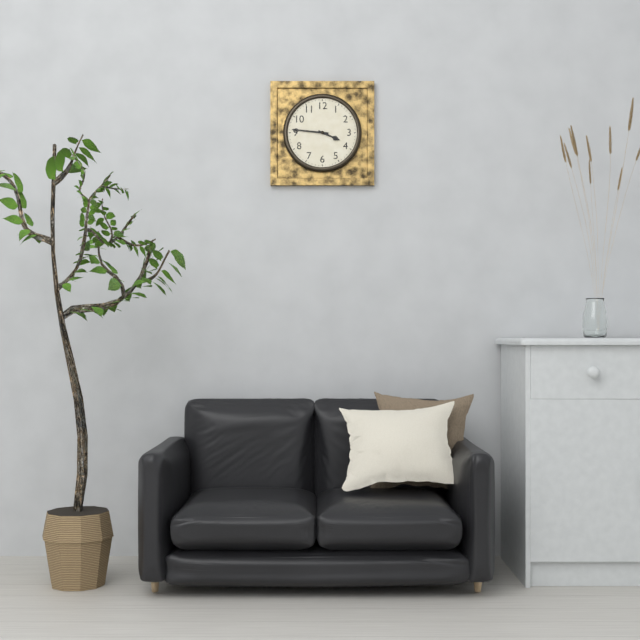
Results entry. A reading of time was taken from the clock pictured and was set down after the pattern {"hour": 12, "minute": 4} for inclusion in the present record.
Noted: {"hour": 3, "minute": 46}
